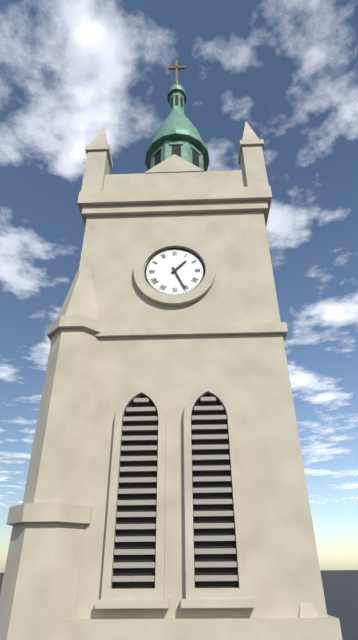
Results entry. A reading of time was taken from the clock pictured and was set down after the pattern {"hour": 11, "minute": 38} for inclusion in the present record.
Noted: {"hour": 1, "minute": 26}
